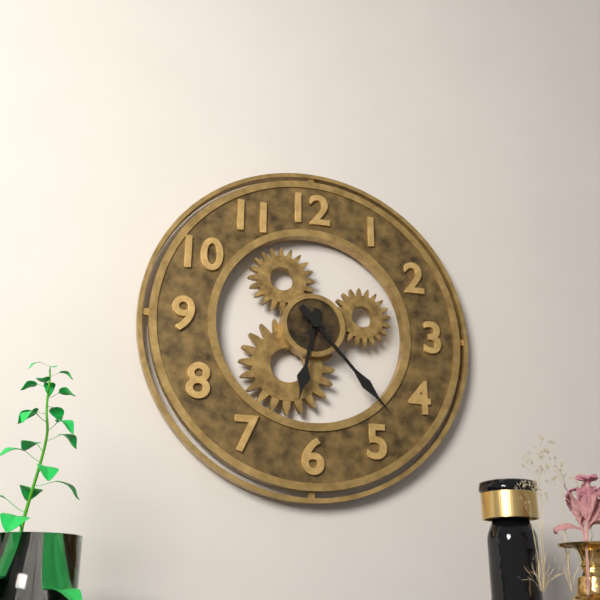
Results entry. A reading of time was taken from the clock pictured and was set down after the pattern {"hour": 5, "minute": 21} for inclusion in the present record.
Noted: {"hour": 6, "minute": 23}
